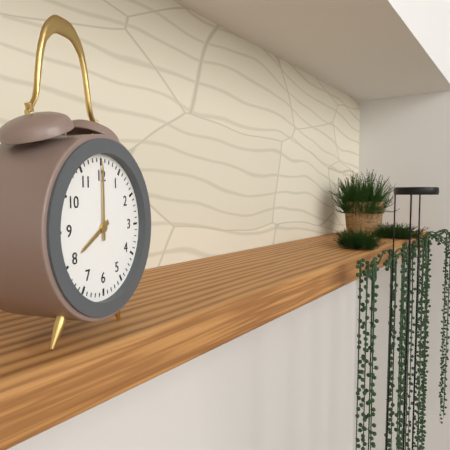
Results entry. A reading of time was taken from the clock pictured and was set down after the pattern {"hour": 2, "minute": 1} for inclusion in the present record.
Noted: {"hour": 8, "minute": 0}
